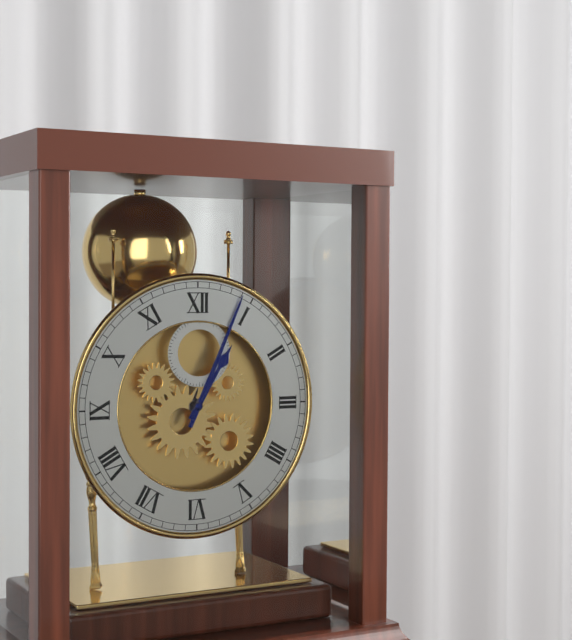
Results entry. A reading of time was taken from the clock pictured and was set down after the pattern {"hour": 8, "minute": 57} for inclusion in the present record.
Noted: {"hour": 1, "minute": 4}
